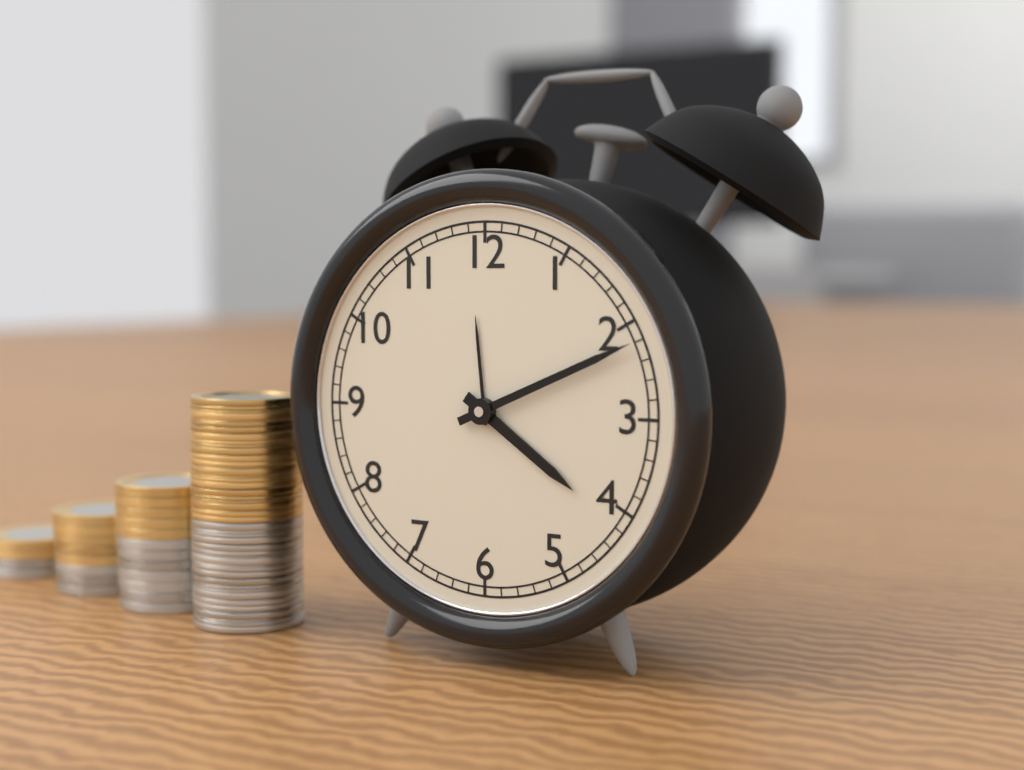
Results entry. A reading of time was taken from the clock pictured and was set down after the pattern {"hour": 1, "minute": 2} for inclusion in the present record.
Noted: {"hour": 4, "minute": 11}
